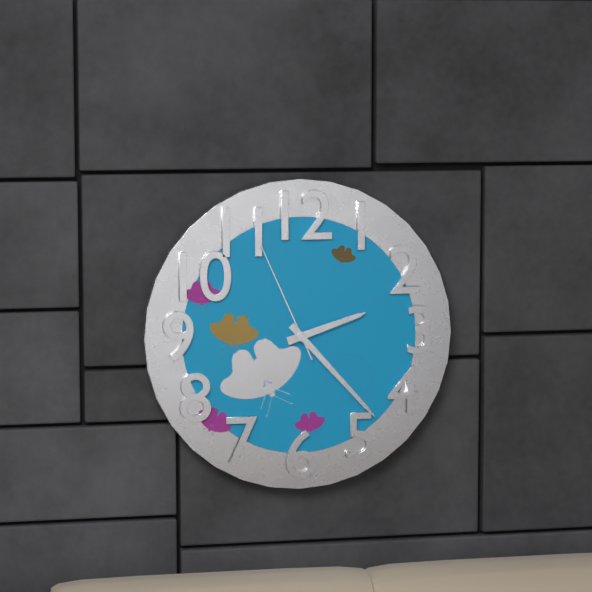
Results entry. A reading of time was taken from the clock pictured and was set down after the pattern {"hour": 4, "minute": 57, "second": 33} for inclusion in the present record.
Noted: {"hour": 2, "minute": 23, "second": 56}
